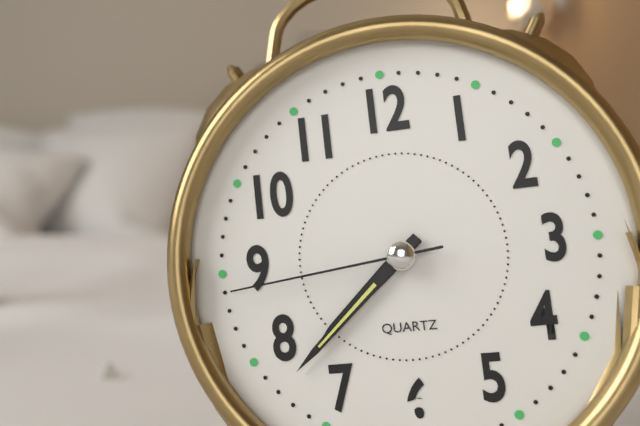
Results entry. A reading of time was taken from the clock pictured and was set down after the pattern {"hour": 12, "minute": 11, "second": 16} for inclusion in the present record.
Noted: {"hour": 7, "minute": 38, "second": 44}
